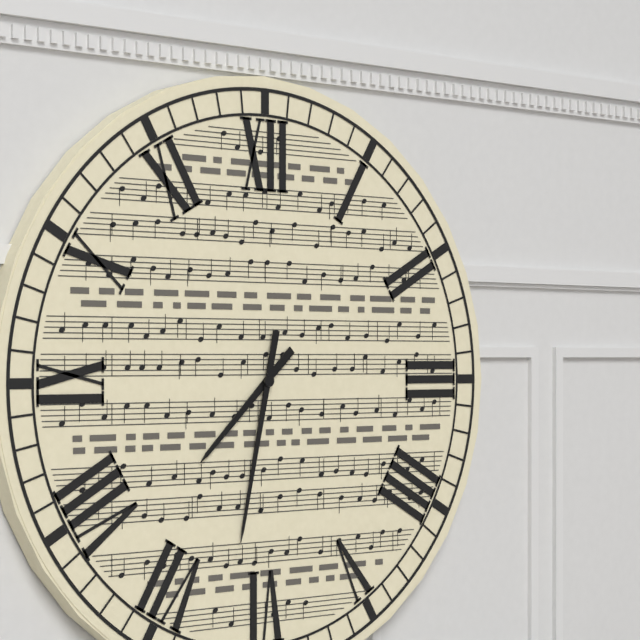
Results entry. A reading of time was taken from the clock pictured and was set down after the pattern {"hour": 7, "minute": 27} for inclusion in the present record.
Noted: {"hour": 7, "minute": 32}
